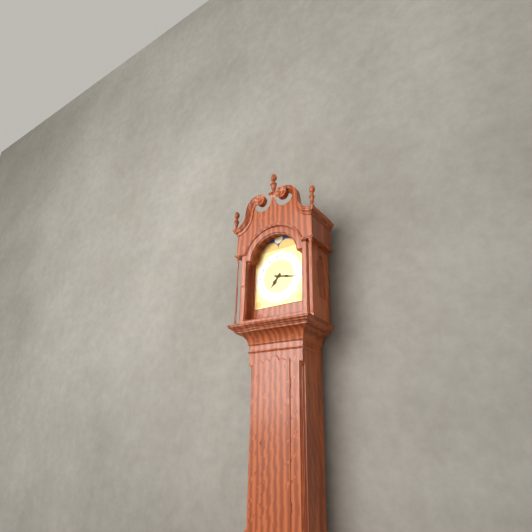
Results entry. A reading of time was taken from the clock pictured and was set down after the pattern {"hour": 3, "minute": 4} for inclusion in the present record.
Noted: {"hour": 7, "minute": 17}
